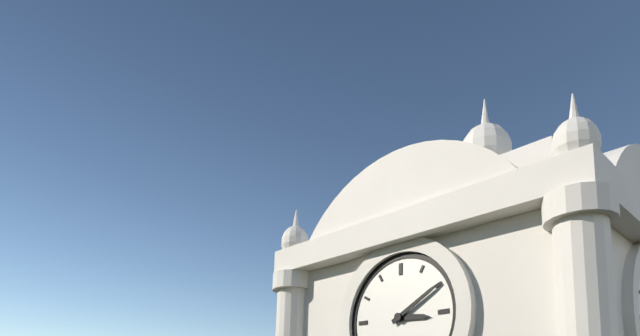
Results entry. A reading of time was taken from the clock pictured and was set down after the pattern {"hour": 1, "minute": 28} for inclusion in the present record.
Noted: {"hour": 3, "minute": 10}
